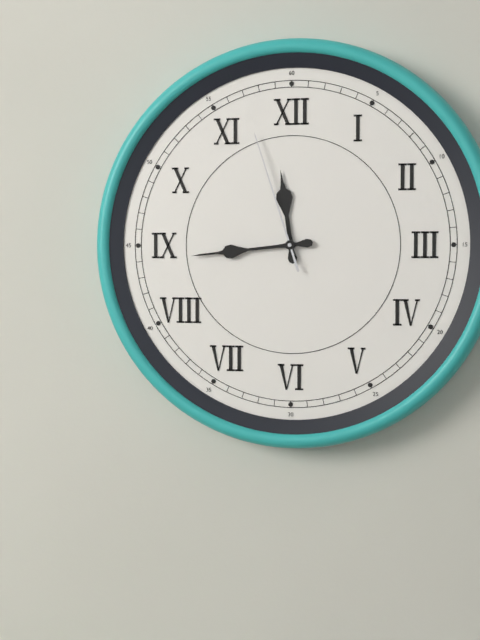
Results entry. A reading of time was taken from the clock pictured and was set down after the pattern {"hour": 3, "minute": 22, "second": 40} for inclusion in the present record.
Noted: {"hour": 11, "minute": 44, "second": 57}
